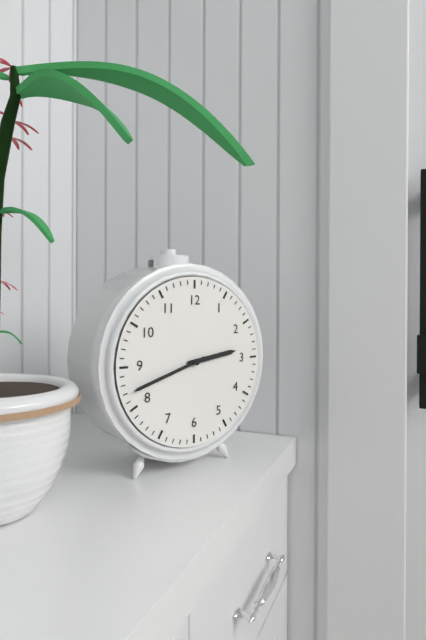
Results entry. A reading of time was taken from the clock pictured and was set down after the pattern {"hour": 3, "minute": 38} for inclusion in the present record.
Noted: {"hour": 2, "minute": 42}
